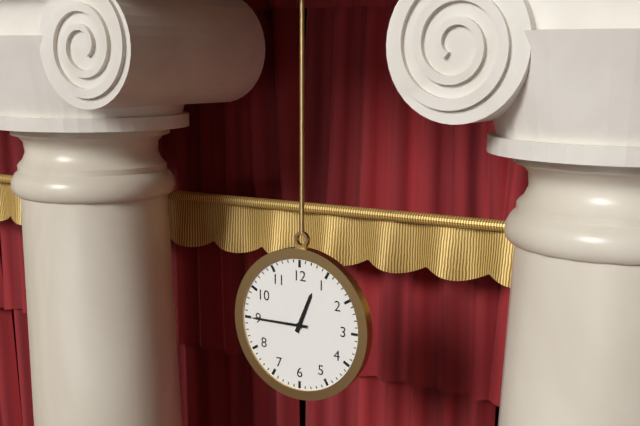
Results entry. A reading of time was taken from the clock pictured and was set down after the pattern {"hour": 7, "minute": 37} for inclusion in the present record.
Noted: {"hour": 12, "minute": 45}
